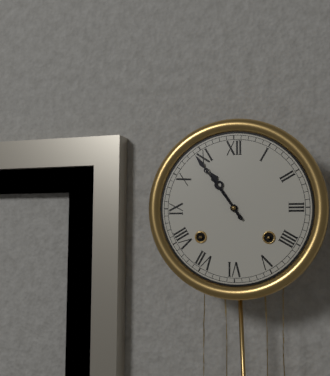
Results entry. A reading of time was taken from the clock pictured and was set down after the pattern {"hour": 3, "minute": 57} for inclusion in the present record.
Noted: {"hour": 10, "minute": 54}
